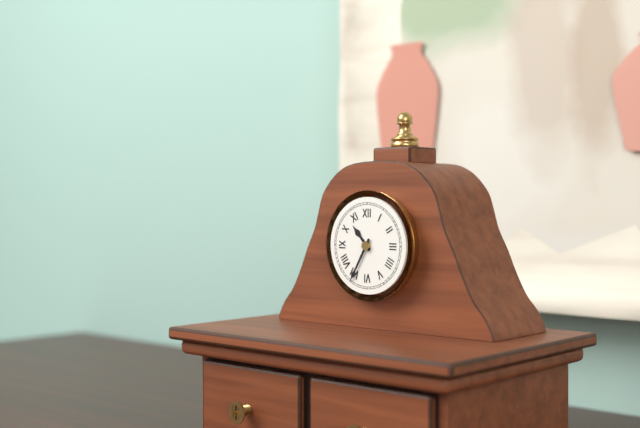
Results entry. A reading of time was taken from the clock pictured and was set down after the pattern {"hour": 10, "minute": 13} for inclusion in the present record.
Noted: {"hour": 10, "minute": 35}
